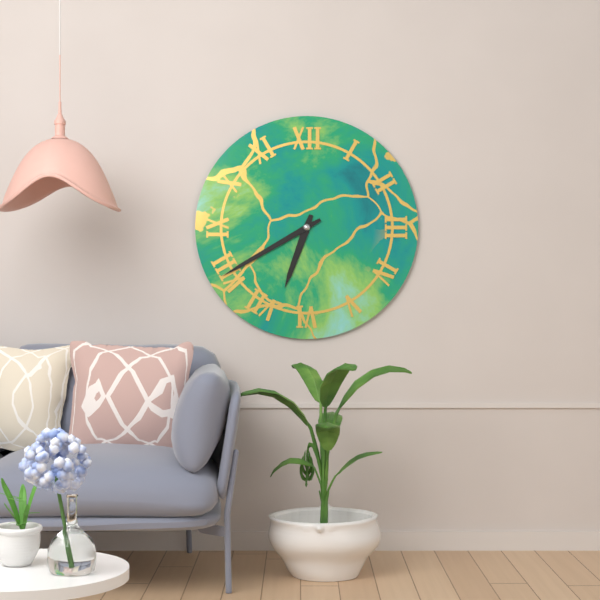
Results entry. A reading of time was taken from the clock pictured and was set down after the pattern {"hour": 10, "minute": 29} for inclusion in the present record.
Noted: {"hour": 6, "minute": 40}
